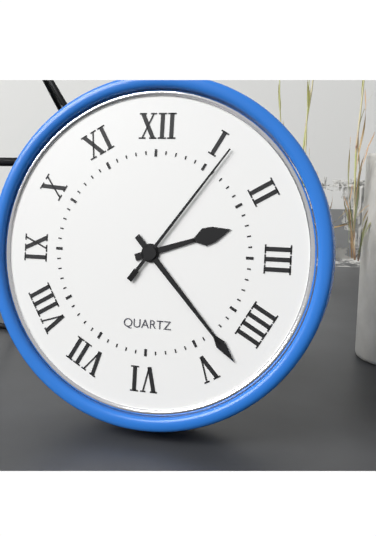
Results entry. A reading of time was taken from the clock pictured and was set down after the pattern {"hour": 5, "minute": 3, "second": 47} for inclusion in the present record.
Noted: {"hour": 2, "minute": 23, "second": 6}
